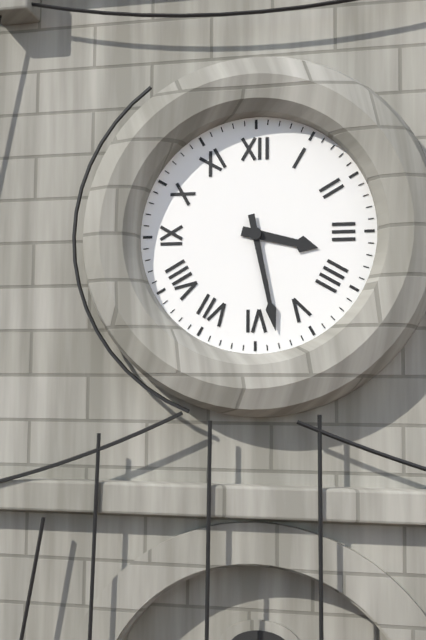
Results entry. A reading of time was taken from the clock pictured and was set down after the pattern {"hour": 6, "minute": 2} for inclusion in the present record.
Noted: {"hour": 3, "minute": 28}
